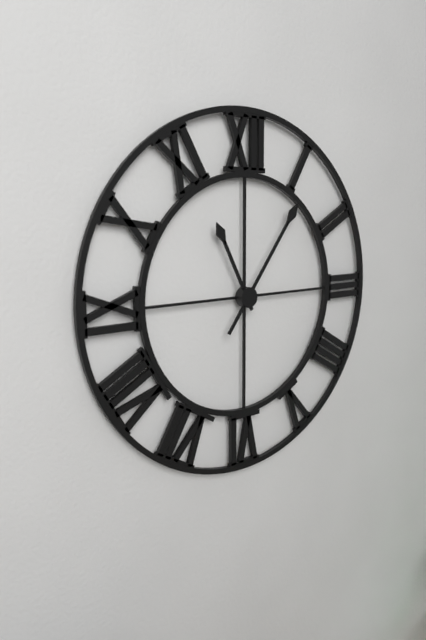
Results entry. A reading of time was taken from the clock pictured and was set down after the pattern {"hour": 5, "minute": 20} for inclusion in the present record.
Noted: {"hour": 11, "minute": 6}
